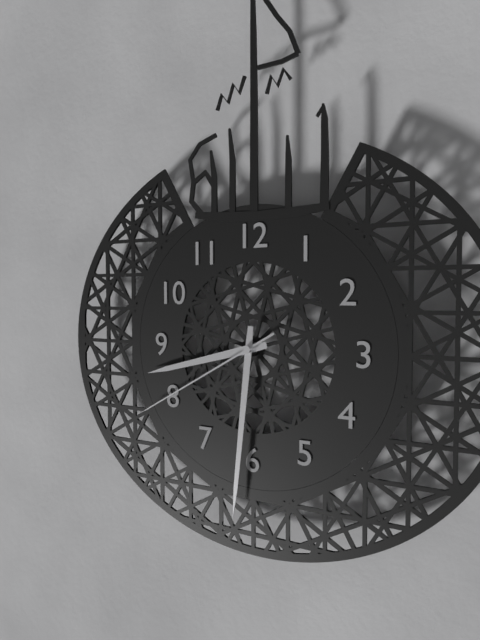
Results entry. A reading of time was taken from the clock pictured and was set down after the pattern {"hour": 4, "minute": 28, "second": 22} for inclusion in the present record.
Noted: {"hour": 8, "minute": 31, "second": 40}
